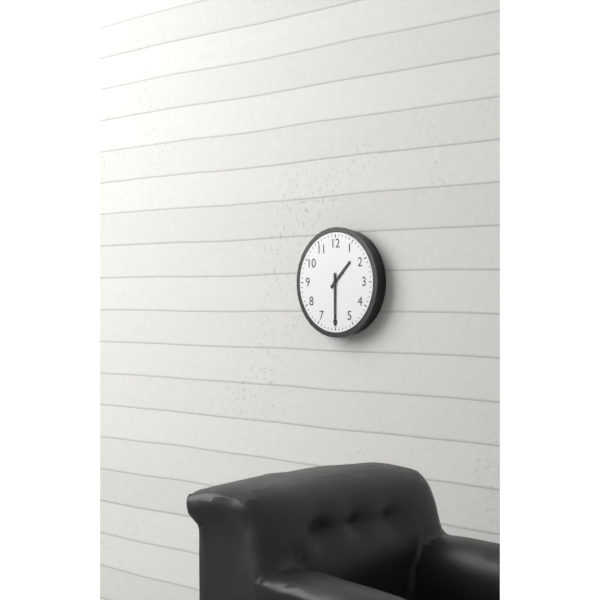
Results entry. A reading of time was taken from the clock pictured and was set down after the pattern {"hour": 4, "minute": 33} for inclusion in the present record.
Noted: {"hour": 1, "minute": 30}
